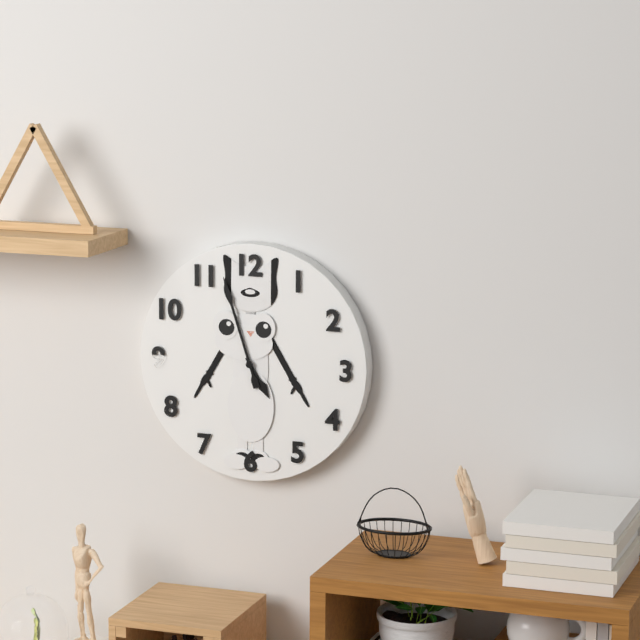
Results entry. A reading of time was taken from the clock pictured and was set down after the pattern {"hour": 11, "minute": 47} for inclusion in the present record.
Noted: {"hour": 4, "minute": 57}
